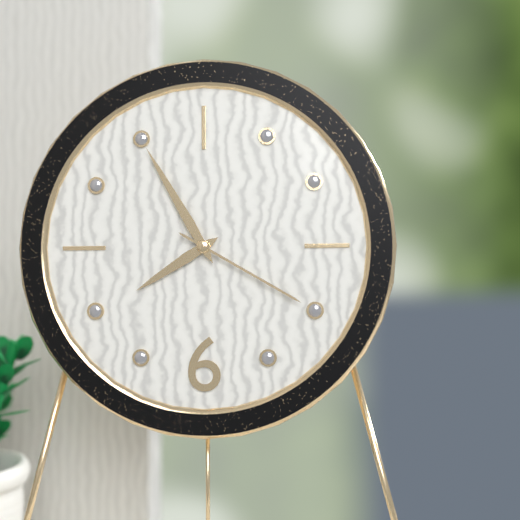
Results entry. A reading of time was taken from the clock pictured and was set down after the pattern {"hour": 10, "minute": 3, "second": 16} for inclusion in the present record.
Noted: {"hour": 7, "minute": 55, "second": 20}
